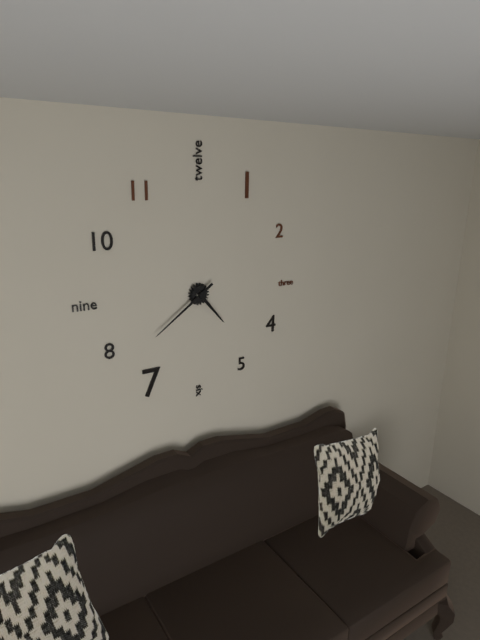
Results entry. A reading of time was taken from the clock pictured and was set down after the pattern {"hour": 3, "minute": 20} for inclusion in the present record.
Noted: {"hour": 4, "minute": 39}
